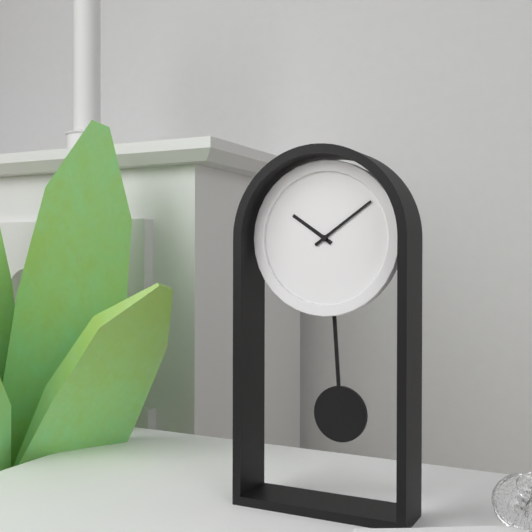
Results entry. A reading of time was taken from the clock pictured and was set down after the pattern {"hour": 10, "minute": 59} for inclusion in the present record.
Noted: {"hour": 10, "minute": 9}
